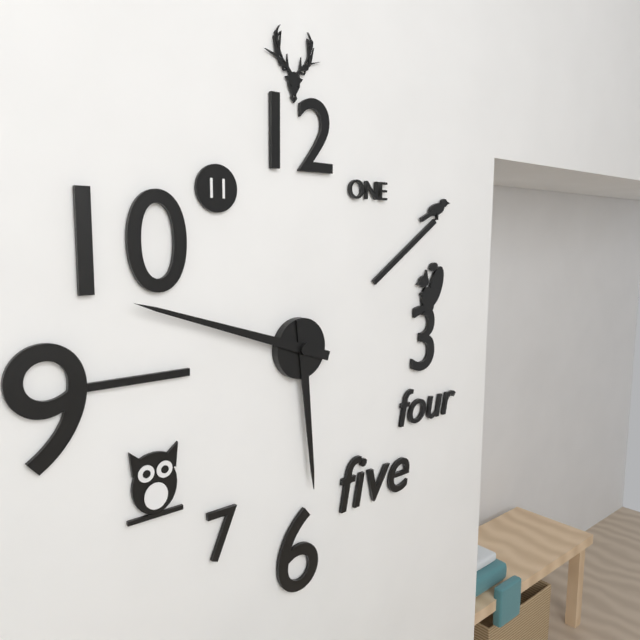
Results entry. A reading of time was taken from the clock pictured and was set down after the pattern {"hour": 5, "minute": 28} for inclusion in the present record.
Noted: {"hour": 5, "minute": 48}
